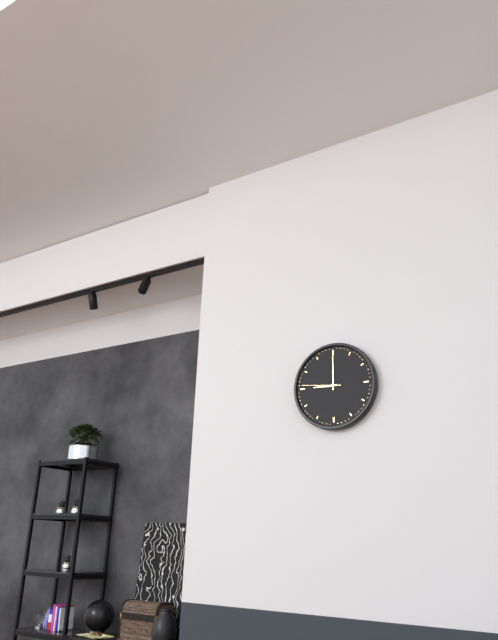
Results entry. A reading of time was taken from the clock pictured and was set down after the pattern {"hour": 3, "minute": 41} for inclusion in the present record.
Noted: {"hour": 9, "minute": 0}
